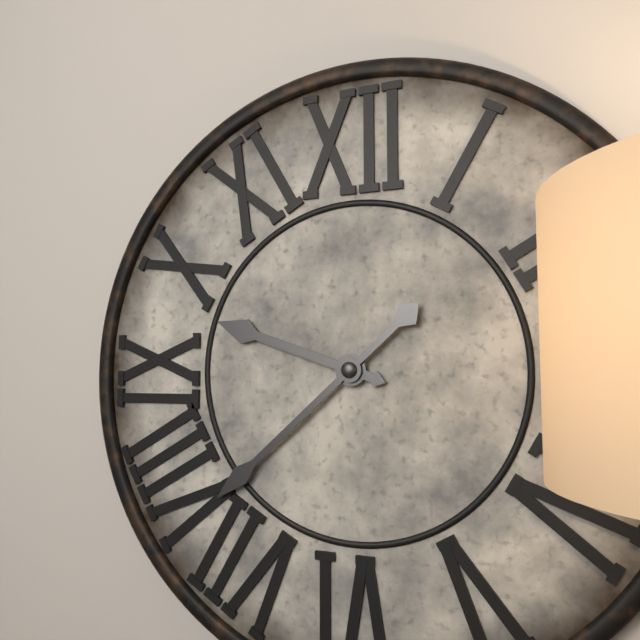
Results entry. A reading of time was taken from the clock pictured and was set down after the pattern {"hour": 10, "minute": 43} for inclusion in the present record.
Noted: {"hour": 9, "minute": 38}
